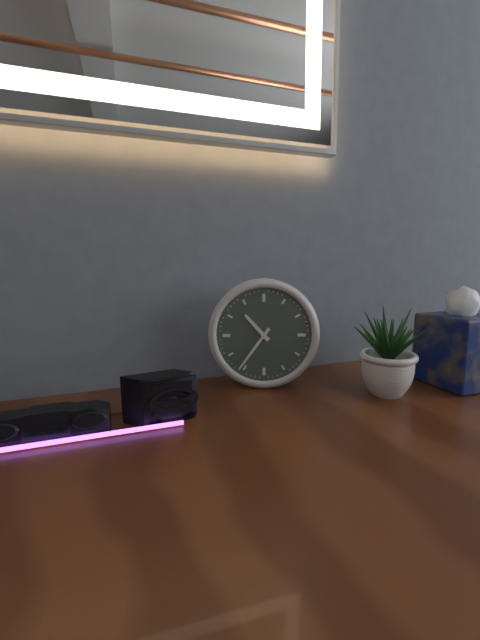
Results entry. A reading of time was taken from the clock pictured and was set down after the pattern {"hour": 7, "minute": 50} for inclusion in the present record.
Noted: {"hour": 10, "minute": 36}
